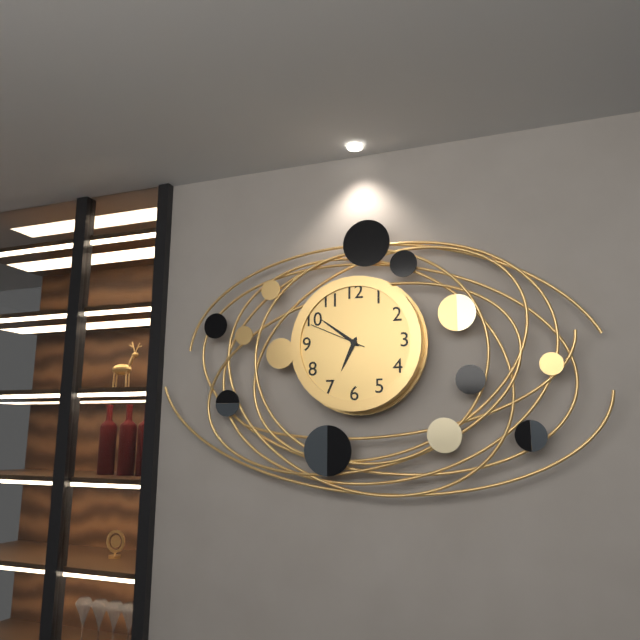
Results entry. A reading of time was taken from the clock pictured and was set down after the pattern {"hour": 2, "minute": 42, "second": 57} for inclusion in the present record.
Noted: {"hour": 6, "minute": 51, "second": 49}
